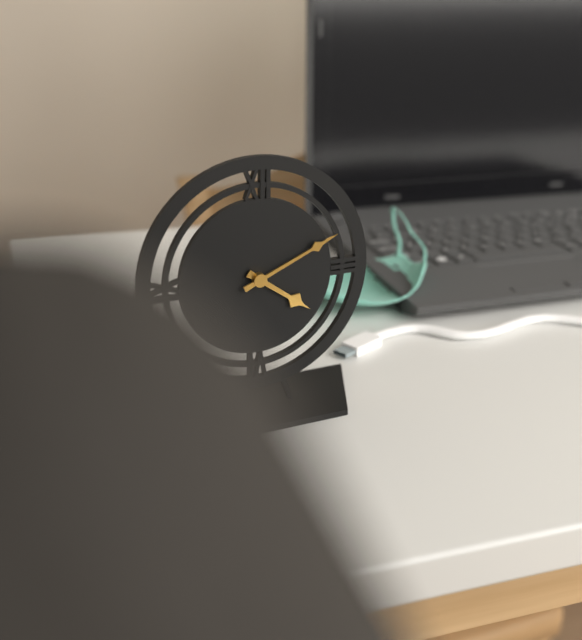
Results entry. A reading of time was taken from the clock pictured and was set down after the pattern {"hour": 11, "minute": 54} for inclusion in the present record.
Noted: {"hour": 4, "minute": 11}
